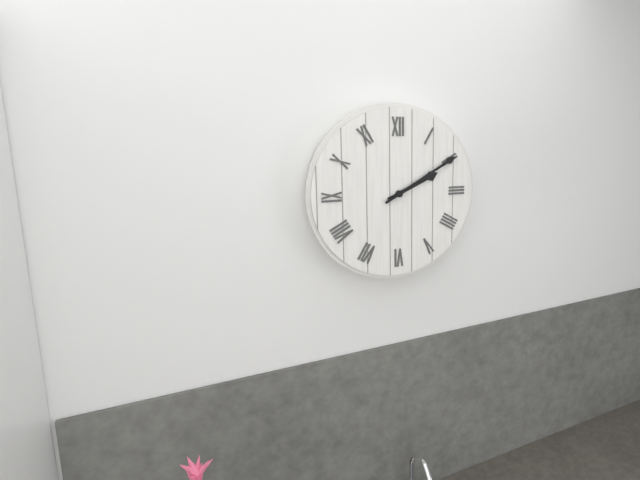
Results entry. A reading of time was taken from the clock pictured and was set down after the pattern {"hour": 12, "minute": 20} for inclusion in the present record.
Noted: {"hour": 2, "minute": 10}
